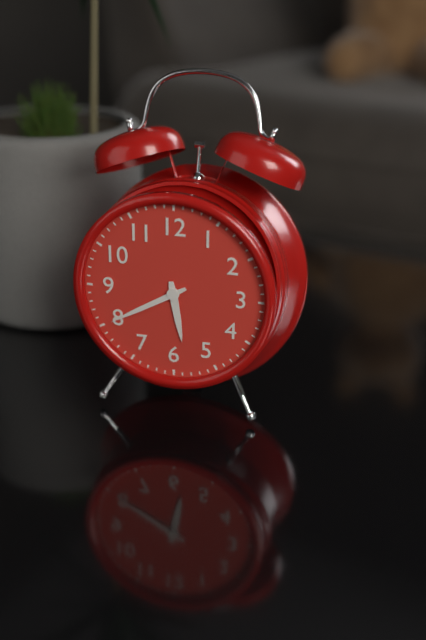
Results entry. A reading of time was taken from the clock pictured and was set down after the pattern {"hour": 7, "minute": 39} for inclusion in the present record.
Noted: {"hour": 5, "minute": 40}
